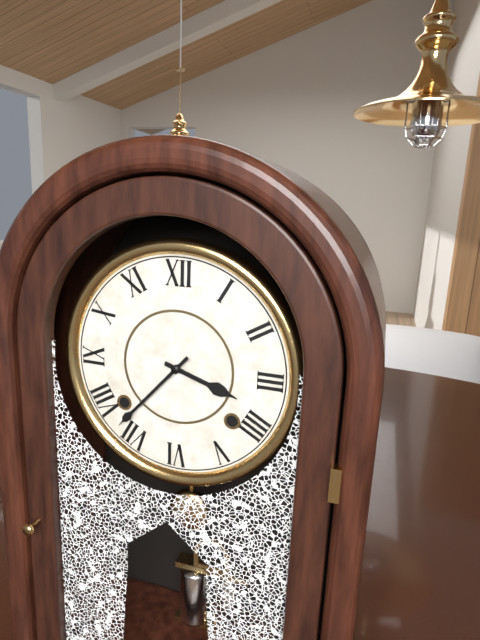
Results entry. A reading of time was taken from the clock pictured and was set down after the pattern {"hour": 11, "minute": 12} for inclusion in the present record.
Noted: {"hour": 3, "minute": 37}
